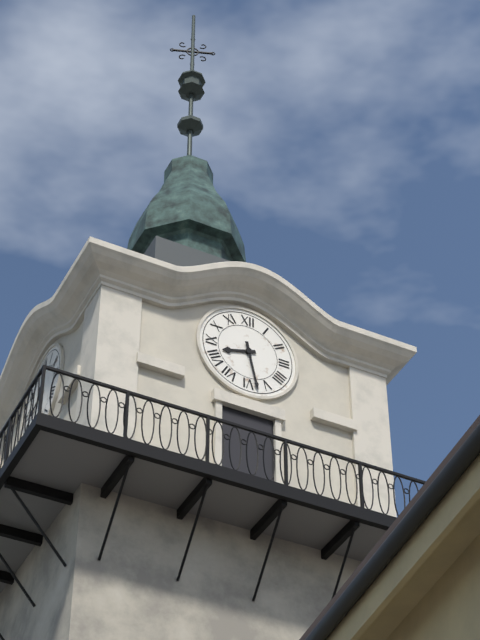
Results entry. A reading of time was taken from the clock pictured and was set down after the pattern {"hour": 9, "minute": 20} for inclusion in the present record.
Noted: {"hour": 8, "minute": 28}
